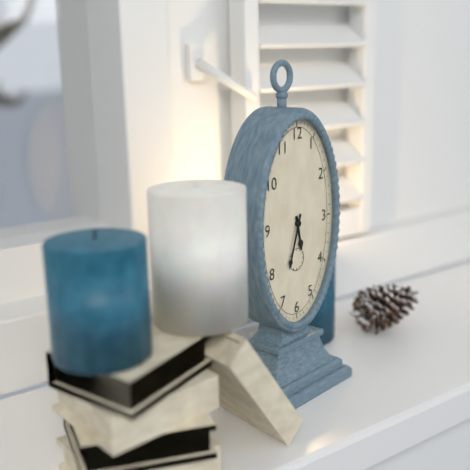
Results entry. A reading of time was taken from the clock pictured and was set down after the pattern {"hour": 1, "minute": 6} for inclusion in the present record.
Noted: {"hour": 5, "minute": 33}
